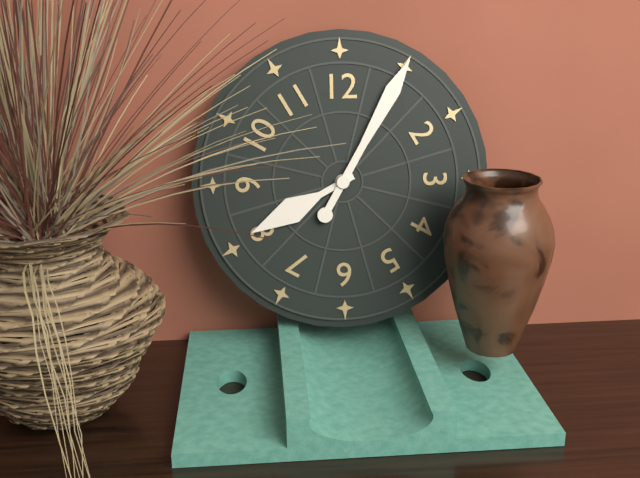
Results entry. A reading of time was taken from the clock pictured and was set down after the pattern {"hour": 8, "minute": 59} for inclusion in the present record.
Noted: {"hour": 8, "minute": 5}
